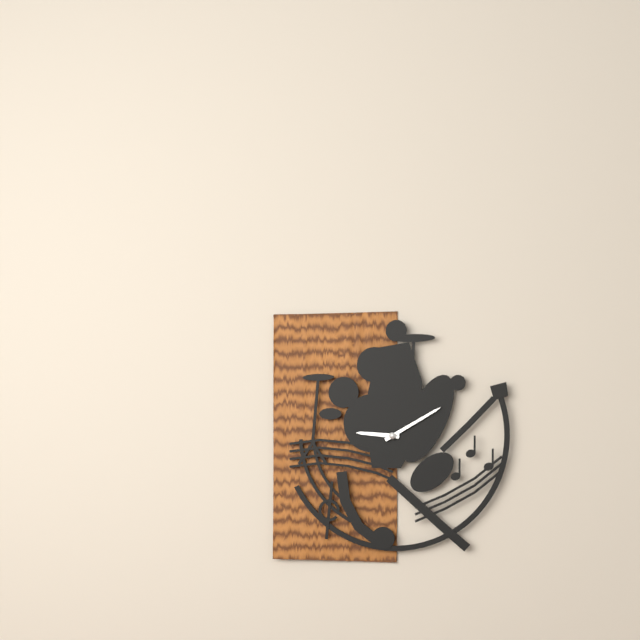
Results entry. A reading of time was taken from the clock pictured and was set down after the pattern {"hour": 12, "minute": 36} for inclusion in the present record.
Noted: {"hour": 9, "minute": 10}
